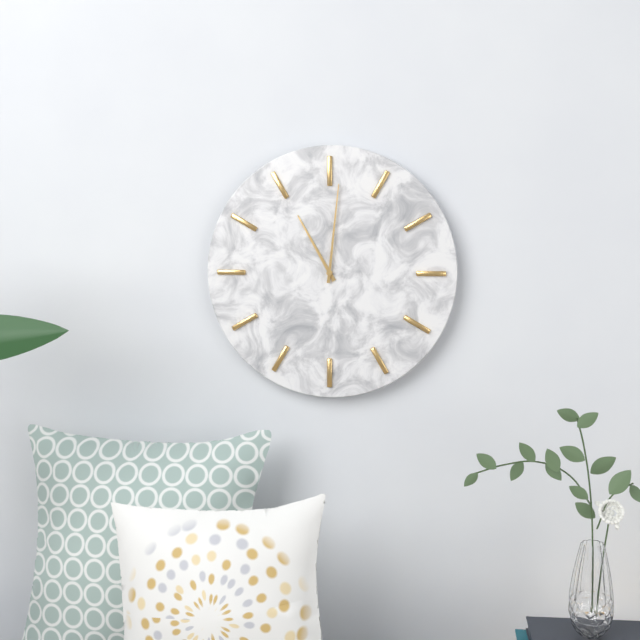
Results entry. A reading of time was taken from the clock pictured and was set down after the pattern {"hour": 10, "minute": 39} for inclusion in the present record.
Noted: {"hour": 11, "minute": 1}
